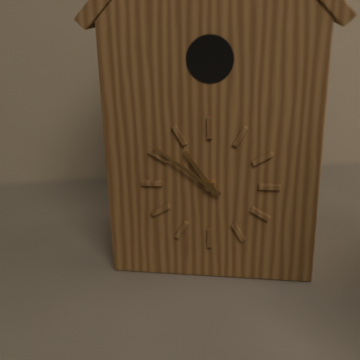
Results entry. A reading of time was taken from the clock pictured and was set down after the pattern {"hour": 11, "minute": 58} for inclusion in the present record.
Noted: {"hour": 10, "minute": 51}
